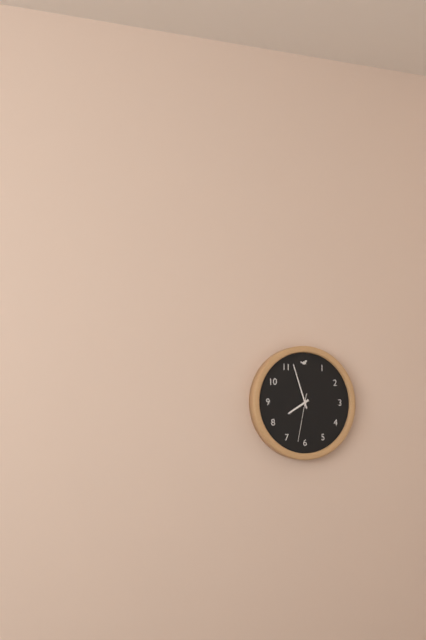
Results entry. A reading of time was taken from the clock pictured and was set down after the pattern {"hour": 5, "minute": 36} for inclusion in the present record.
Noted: {"hour": 7, "minute": 57}
